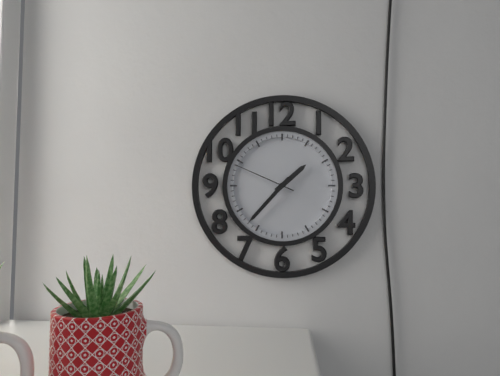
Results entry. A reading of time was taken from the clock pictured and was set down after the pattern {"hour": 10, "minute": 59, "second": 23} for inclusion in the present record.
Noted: {"hour": 1, "minute": 37, "second": 49}
